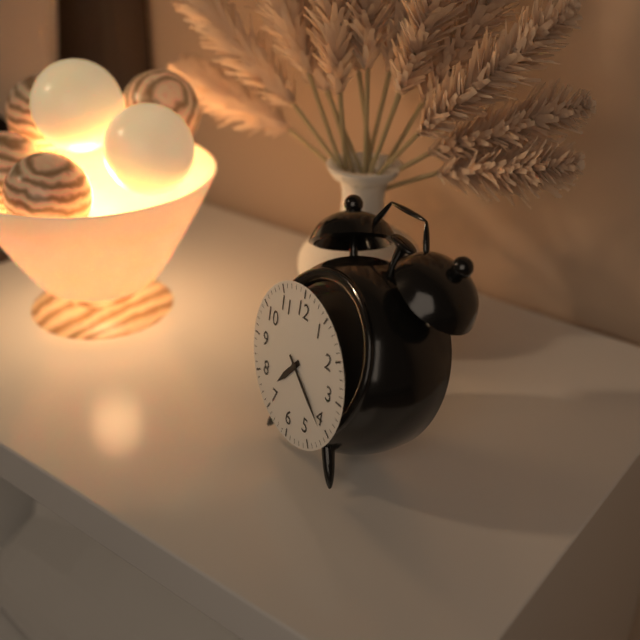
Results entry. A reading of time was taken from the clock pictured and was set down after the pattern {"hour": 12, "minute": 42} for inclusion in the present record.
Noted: {"hour": 7, "minute": 21}
